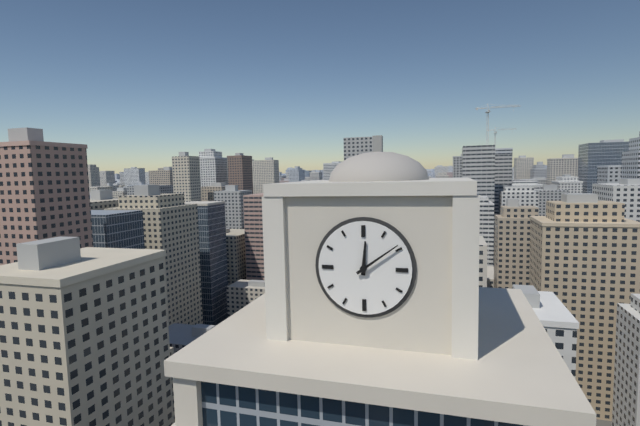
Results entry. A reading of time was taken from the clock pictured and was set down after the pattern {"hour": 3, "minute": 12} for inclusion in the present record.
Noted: {"hour": 12, "minute": 9}
